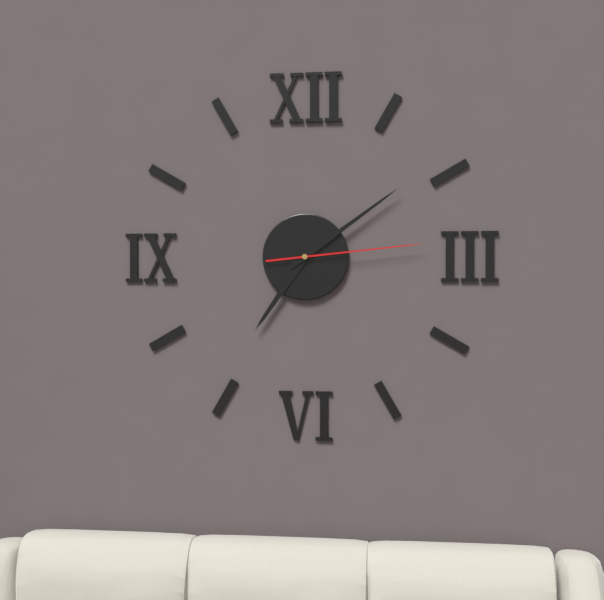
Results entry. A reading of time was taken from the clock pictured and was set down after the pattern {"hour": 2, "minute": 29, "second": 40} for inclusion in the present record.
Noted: {"hour": 7, "minute": 9, "second": 14}
